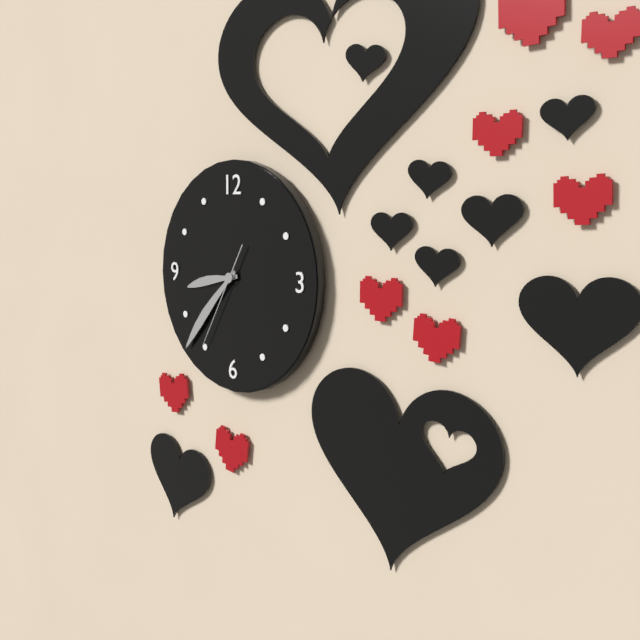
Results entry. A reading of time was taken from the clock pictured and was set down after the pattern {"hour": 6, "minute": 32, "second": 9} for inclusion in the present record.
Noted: {"hour": 8, "minute": 37, "second": 35}
